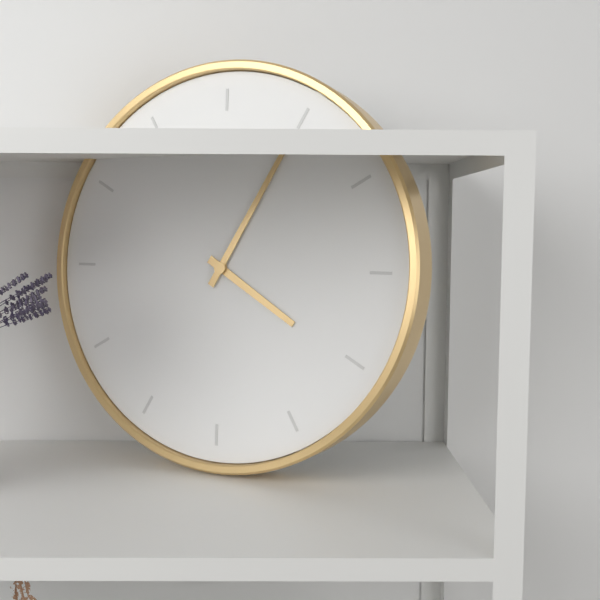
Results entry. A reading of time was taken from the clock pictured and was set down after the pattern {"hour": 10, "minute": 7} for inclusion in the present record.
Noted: {"hour": 4, "minute": 5}
